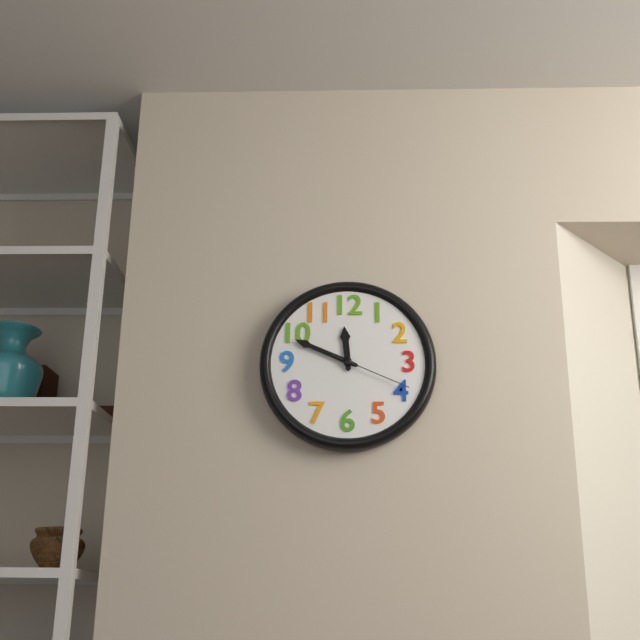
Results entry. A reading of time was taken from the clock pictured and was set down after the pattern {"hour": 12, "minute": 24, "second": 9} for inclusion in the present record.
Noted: {"hour": 11, "minute": 49, "second": 19}
